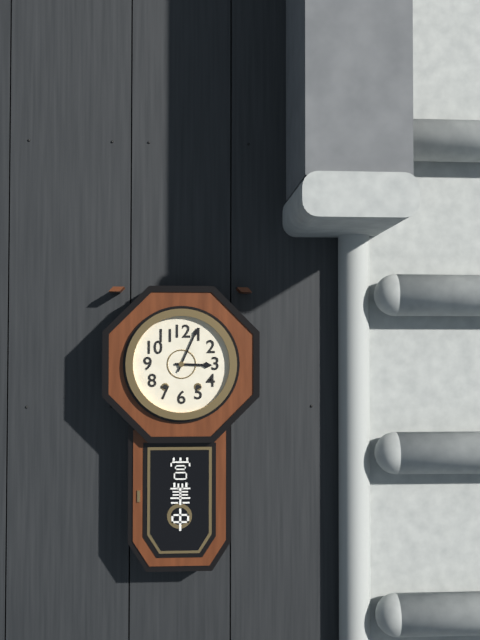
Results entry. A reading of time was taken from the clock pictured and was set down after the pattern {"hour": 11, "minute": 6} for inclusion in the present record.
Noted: {"hour": 3, "minute": 4}
